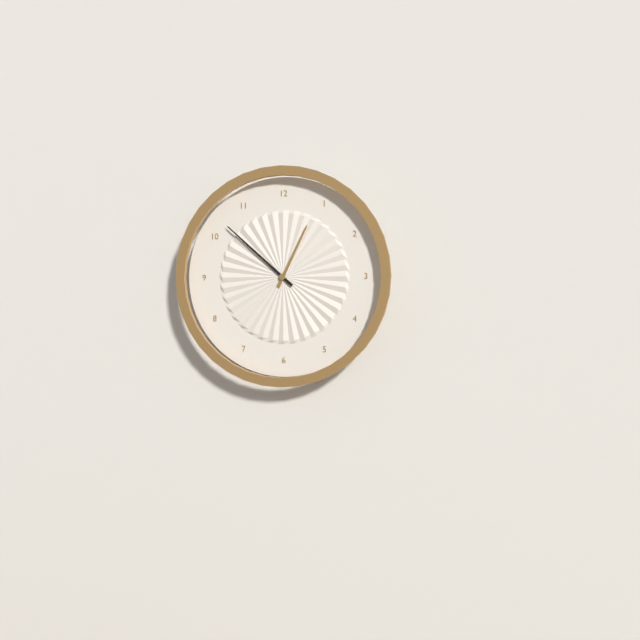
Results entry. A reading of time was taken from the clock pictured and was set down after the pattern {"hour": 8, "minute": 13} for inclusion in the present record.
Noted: {"hour": 12, "minute": 52}
